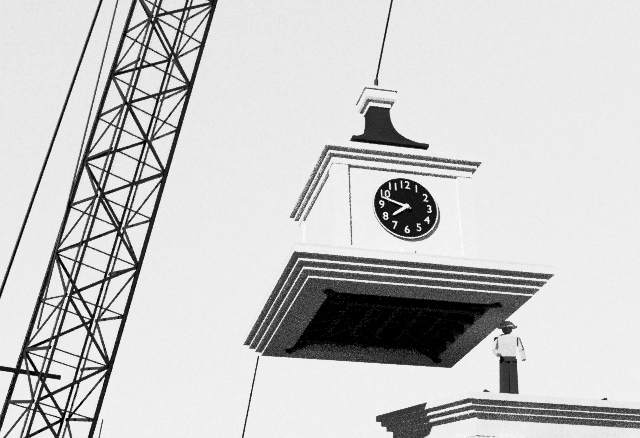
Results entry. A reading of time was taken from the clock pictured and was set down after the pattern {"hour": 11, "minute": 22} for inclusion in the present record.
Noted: {"hour": 7, "minute": 48}
